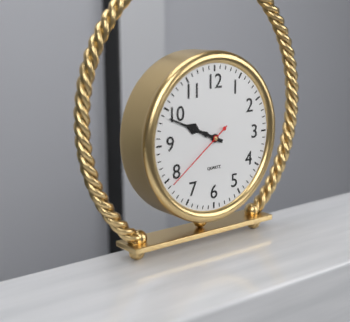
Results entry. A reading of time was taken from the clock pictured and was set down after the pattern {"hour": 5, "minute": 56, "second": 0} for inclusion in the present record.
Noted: {"hour": 9, "minute": 49, "second": 39}
